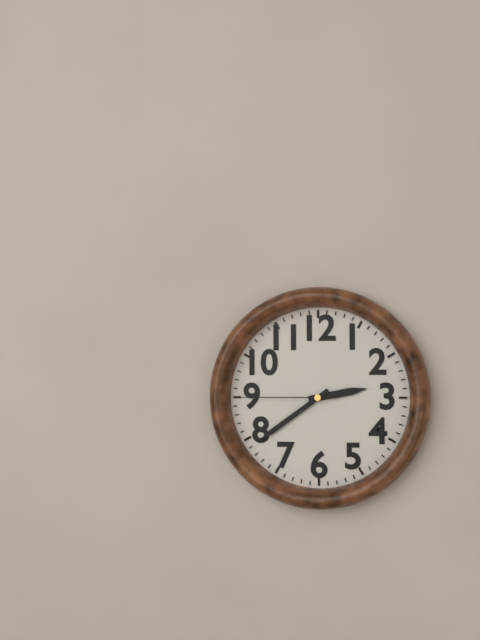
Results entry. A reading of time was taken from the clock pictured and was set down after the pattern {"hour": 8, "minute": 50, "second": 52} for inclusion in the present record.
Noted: {"hour": 2, "minute": 39, "second": 45}
